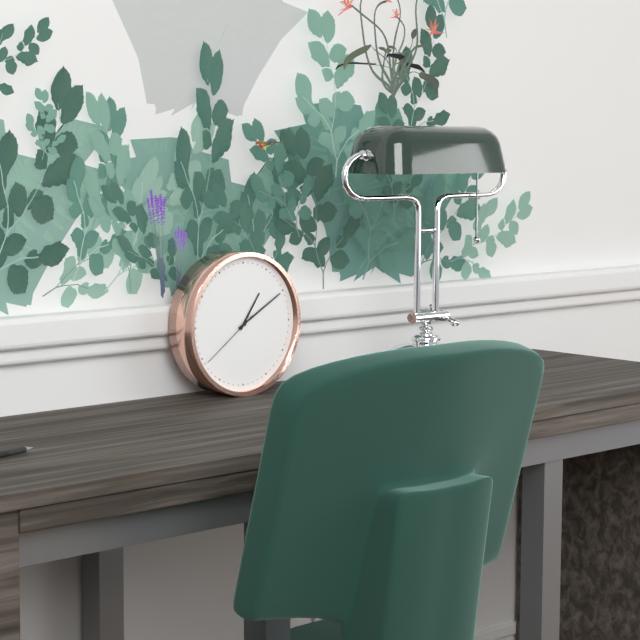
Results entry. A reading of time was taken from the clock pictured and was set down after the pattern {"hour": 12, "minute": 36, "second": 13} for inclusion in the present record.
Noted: {"hour": 1, "minute": 10, "second": 39}
